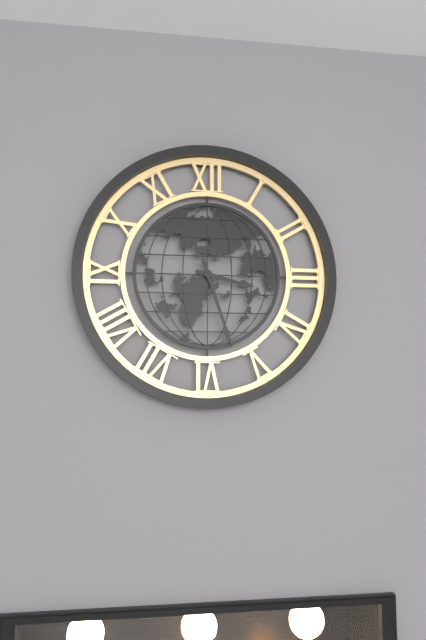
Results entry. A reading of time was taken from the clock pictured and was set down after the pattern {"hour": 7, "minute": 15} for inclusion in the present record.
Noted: {"hour": 3, "minute": 27}
